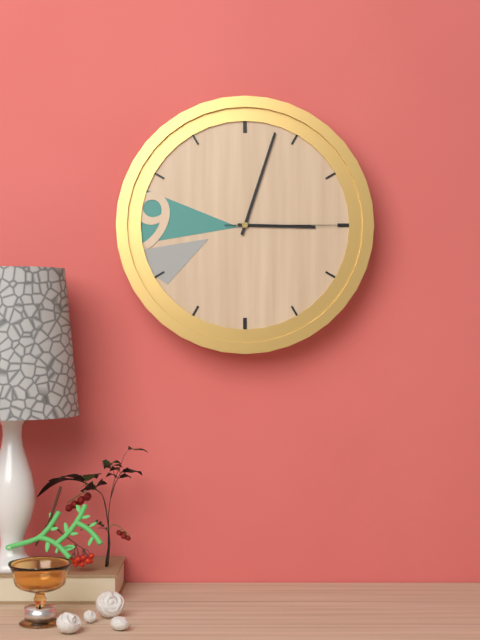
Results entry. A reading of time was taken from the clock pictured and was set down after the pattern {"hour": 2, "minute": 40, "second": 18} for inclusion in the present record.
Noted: {"hour": 3, "minute": 3, "second": 15}
